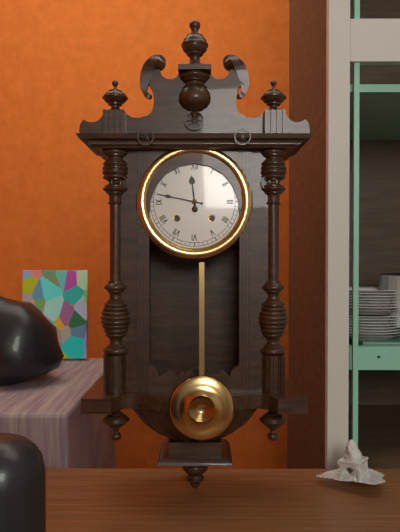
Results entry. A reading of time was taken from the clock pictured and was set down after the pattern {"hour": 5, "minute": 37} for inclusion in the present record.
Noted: {"hour": 11, "minute": 47}
